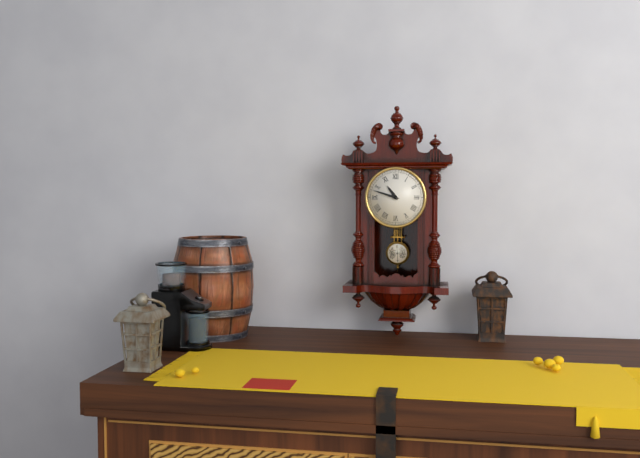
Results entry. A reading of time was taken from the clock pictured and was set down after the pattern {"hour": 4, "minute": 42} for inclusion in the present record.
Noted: {"hour": 10, "minute": 48}
